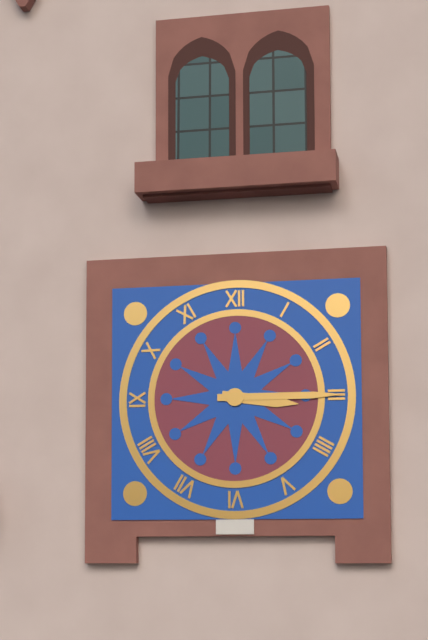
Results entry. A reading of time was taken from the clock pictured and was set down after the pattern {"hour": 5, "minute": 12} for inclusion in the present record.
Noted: {"hour": 3, "minute": 15}
